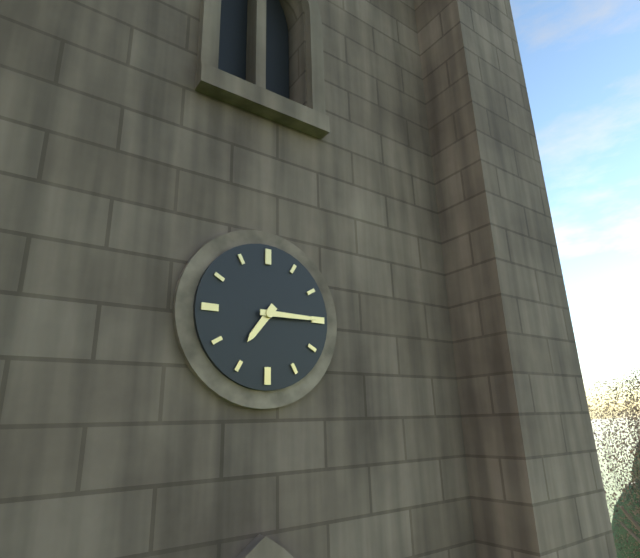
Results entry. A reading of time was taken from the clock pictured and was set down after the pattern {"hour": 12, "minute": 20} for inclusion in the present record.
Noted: {"hour": 7, "minute": 15}
